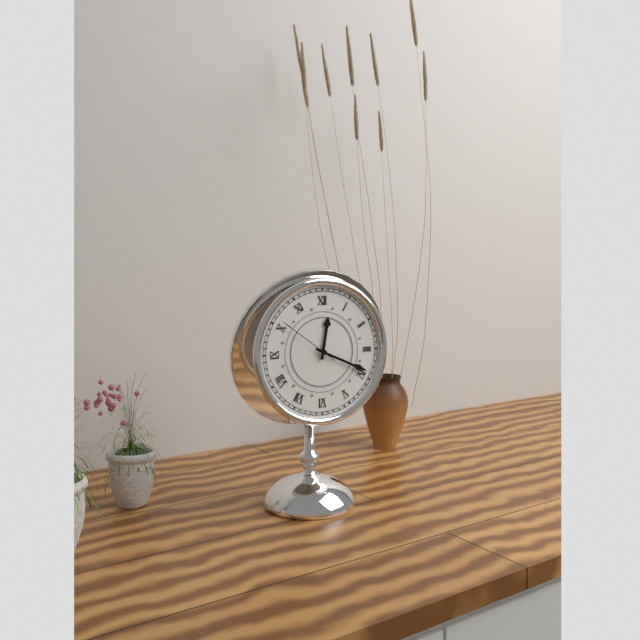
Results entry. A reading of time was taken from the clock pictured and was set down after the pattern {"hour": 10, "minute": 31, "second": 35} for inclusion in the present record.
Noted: {"hour": 12, "minute": 19, "second": 51}
